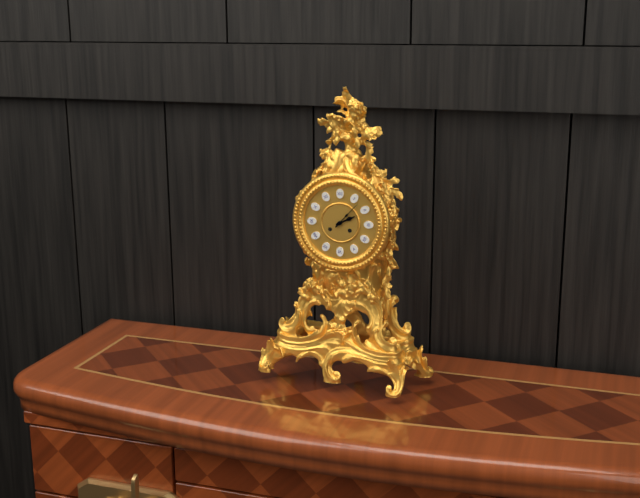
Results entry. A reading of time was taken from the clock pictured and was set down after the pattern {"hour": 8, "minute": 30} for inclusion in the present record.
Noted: {"hour": 2, "minute": 7}
